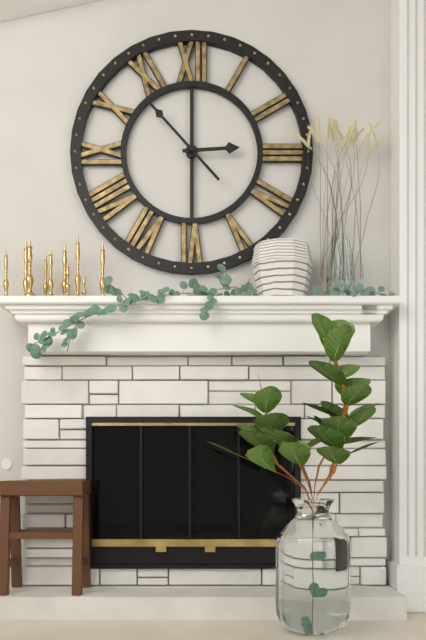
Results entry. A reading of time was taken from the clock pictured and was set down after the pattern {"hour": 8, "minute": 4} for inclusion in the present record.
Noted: {"hour": 2, "minute": 53}
